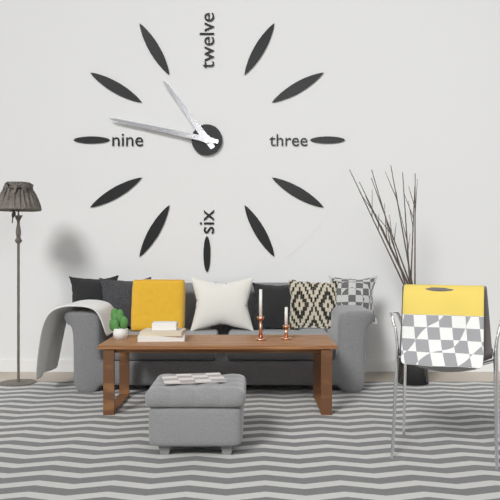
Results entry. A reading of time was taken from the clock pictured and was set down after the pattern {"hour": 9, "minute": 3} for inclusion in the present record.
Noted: {"hour": 10, "minute": 47}
